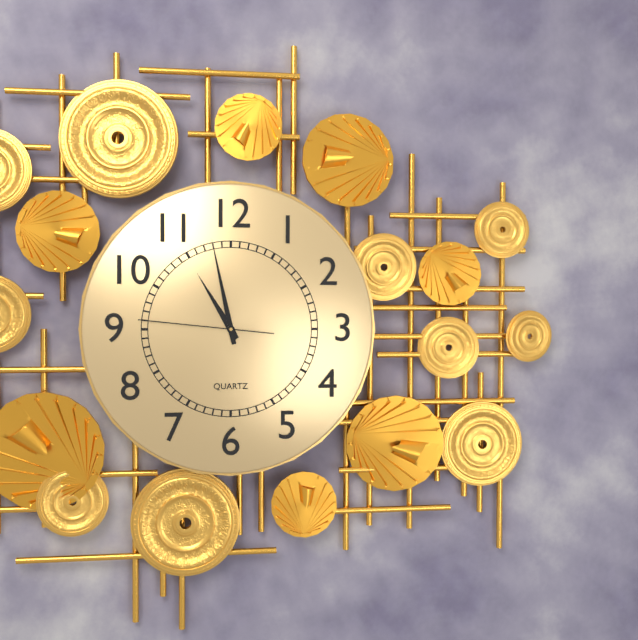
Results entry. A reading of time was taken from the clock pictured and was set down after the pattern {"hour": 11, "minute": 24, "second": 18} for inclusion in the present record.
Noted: {"hour": 10, "minute": 58, "second": 46}
